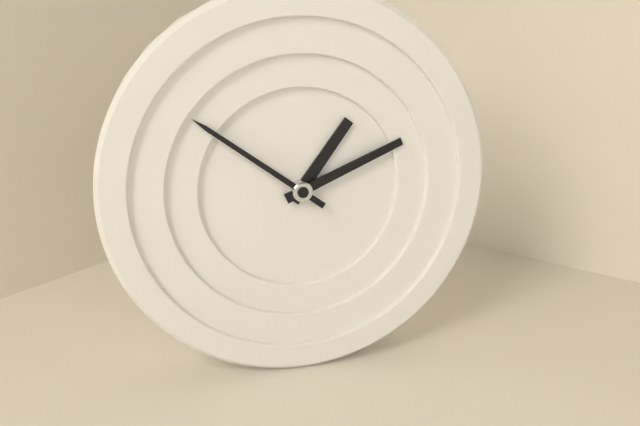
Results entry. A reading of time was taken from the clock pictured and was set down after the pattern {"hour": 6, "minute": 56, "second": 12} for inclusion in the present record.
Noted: {"hour": 1, "minute": 11, "second": 51}
